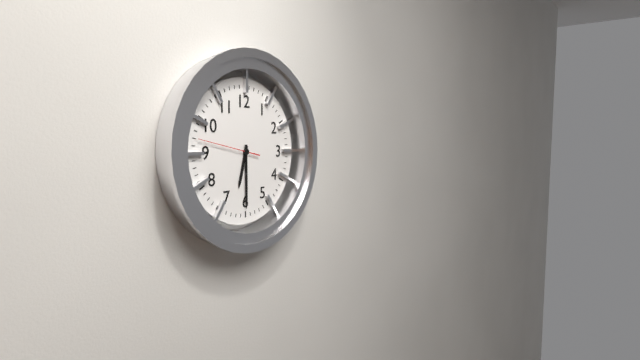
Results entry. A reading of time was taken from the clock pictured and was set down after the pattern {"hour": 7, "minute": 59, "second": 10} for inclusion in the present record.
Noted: {"hour": 6, "minute": 30, "second": 47}
